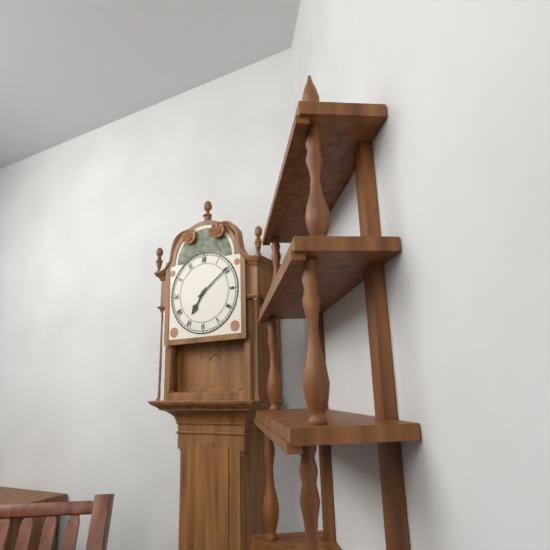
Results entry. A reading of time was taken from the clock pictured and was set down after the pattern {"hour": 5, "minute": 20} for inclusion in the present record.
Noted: {"hour": 7, "minute": 9}
